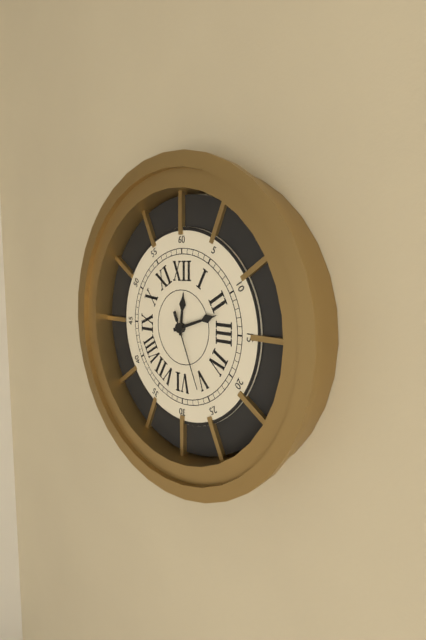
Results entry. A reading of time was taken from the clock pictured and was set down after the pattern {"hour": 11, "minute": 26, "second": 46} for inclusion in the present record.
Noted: {"hour": 12, "minute": 12, "second": 26}
